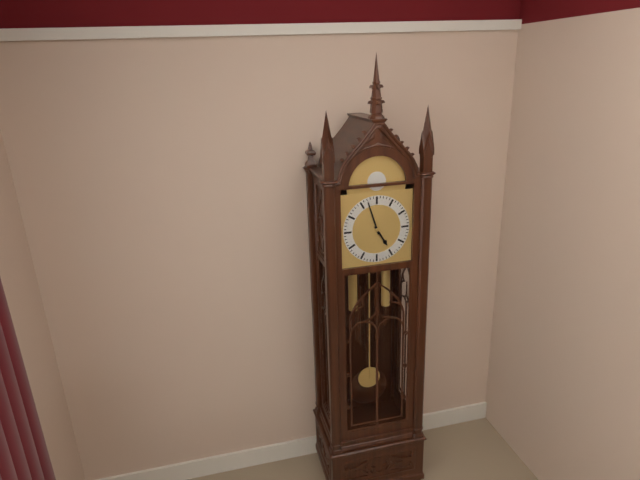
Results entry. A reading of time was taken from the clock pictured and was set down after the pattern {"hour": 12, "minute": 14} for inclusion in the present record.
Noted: {"hour": 4, "minute": 57}
